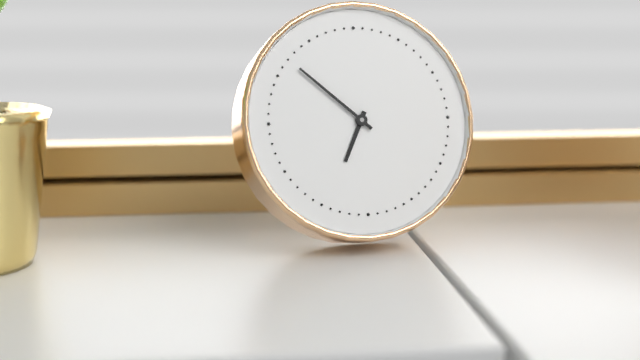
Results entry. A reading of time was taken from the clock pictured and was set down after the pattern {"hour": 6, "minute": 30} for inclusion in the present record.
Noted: {"hour": 6, "minute": 52}
